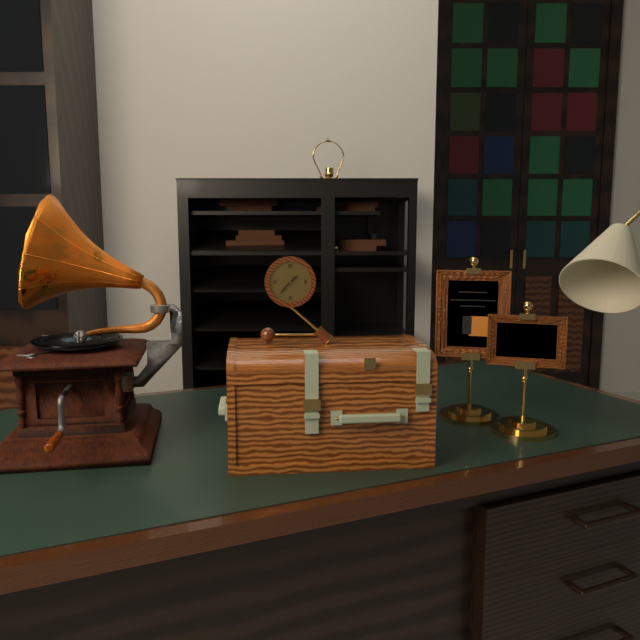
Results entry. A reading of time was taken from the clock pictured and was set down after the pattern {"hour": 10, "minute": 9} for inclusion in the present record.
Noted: {"hour": 1, "minute": 37}
